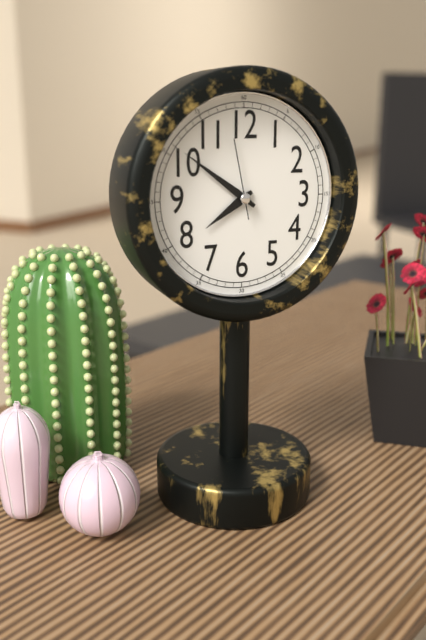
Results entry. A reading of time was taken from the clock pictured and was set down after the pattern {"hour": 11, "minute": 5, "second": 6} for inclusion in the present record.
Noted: {"hour": 7, "minute": 51, "second": 58}
